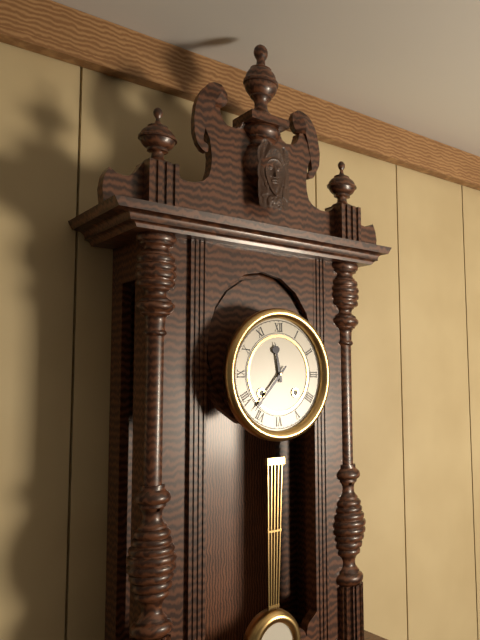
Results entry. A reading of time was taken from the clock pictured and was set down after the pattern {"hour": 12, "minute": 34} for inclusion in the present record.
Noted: {"hour": 11, "minute": 37}
